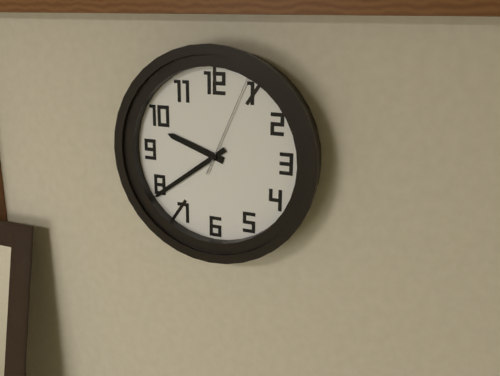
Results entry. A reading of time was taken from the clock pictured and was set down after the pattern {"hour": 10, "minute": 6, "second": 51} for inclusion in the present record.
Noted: {"hour": 9, "minute": 39, "second": 4}
